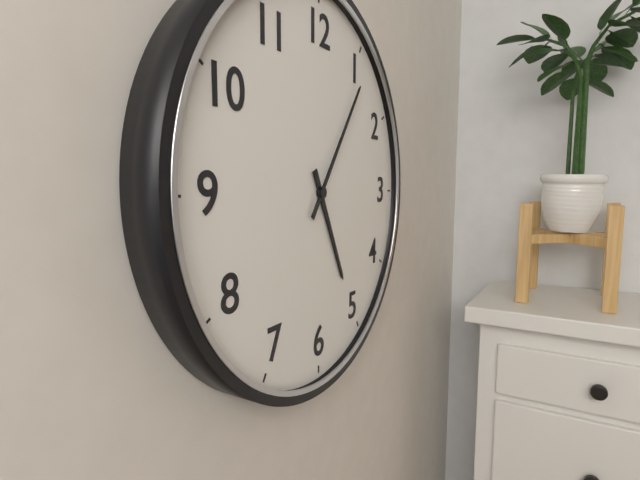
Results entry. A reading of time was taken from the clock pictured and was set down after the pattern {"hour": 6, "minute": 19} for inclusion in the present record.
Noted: {"hour": 5, "minute": 6}
